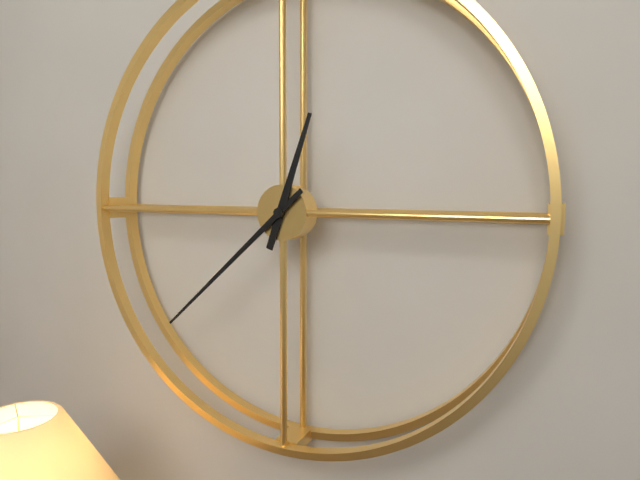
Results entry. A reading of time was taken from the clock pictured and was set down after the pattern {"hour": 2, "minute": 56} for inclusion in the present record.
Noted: {"hour": 12, "minute": 38}
